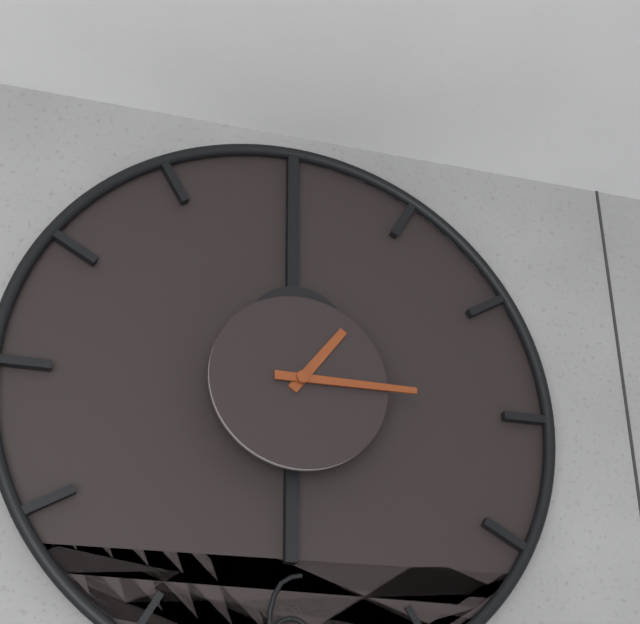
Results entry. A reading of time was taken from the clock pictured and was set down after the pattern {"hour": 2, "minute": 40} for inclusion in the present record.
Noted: {"hour": 1, "minute": 15}
